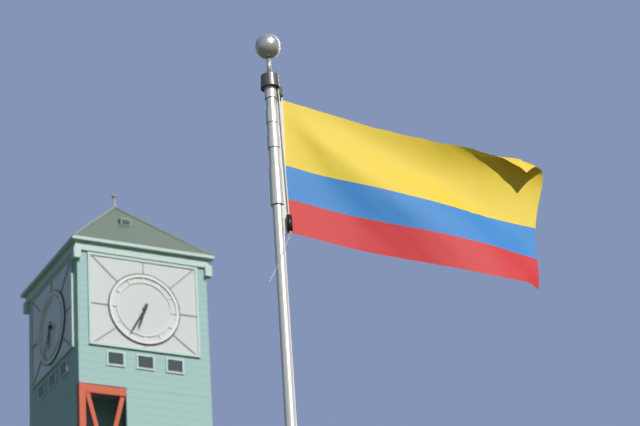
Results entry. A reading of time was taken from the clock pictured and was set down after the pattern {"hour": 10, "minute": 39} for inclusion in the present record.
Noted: {"hour": 6, "minute": 35}
